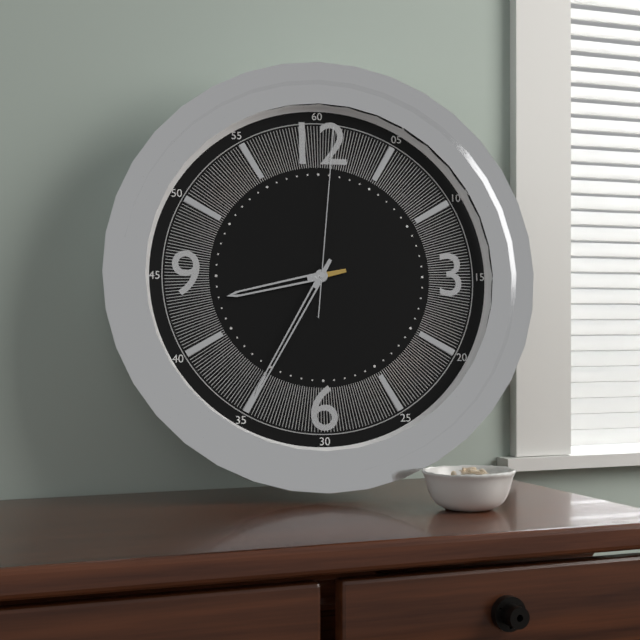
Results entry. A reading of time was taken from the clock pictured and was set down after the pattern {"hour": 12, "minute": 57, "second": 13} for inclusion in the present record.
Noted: {"hour": 8, "minute": 35, "second": 1}
